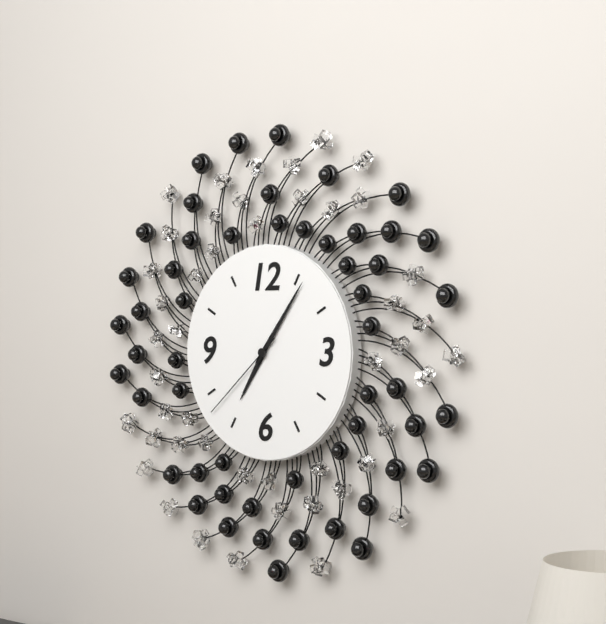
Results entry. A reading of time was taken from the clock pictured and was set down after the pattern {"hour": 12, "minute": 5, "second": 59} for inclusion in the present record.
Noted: {"hour": 7, "minute": 6, "second": 38}
